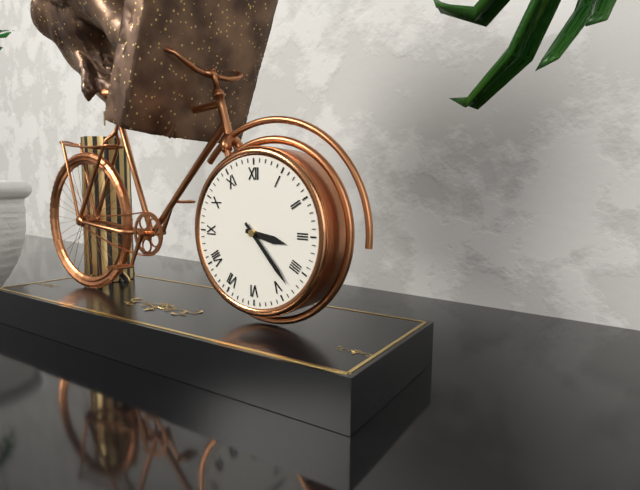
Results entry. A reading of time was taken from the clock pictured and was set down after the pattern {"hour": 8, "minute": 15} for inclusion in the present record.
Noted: {"hour": 3, "minute": 23}
